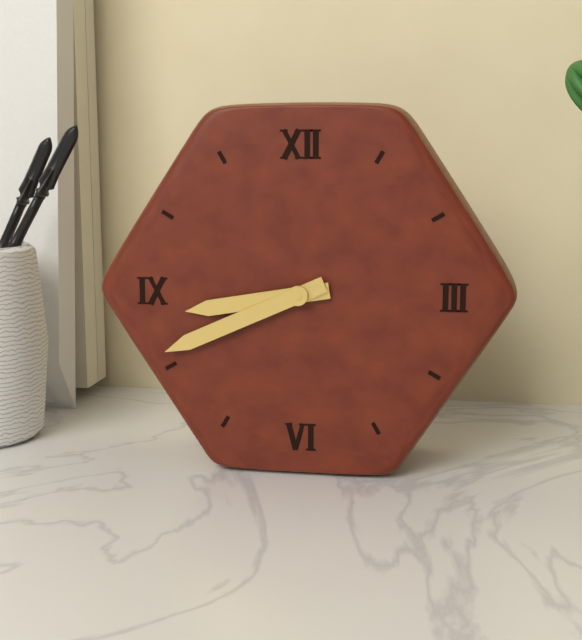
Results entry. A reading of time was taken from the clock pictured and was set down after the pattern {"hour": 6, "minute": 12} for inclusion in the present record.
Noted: {"hour": 8, "minute": 41}
